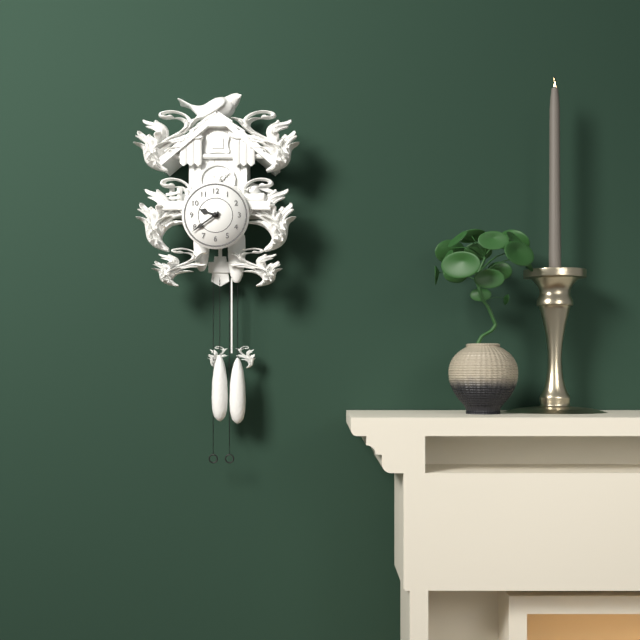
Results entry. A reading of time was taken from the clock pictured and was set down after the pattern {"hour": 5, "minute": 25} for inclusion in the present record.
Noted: {"hour": 9, "minute": 39}
